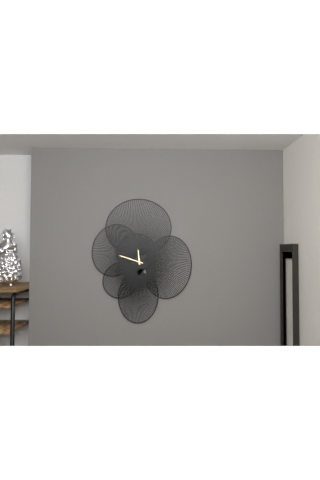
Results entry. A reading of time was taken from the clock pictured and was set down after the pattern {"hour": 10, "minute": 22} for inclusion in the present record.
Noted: {"hour": 11, "minute": 48}
